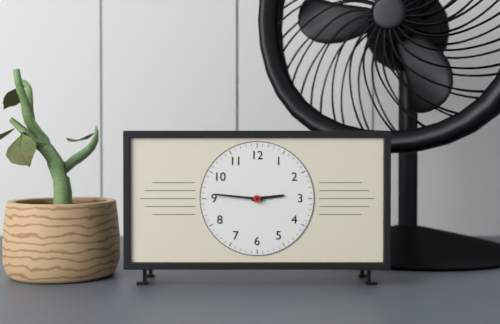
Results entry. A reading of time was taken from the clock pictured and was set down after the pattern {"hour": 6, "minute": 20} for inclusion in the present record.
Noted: {"hour": 2, "minute": 46}
